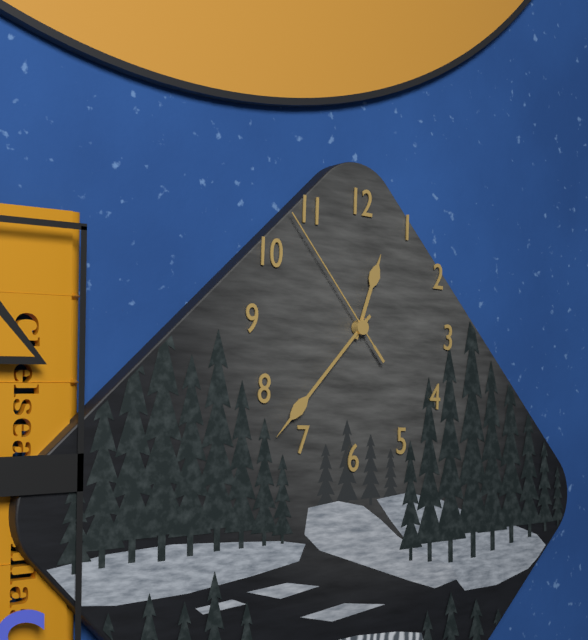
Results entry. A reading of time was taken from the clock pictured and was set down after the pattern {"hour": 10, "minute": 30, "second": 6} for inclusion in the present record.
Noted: {"hour": 12, "minute": 37, "second": 53}
